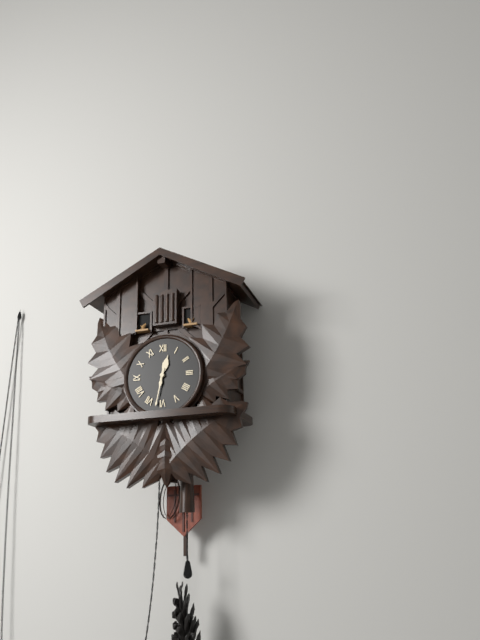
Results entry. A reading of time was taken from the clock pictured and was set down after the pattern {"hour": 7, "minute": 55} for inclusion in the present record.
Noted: {"hour": 12, "minute": 32}
